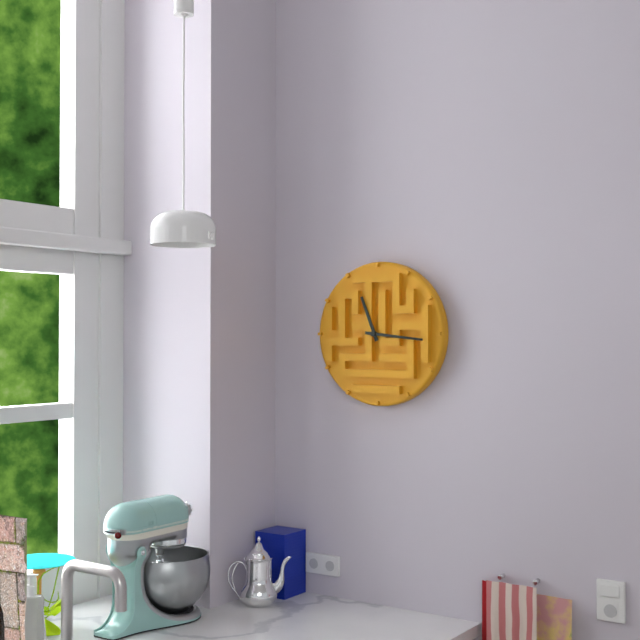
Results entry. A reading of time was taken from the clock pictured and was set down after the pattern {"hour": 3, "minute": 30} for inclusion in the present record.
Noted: {"hour": 11, "minute": 16}
